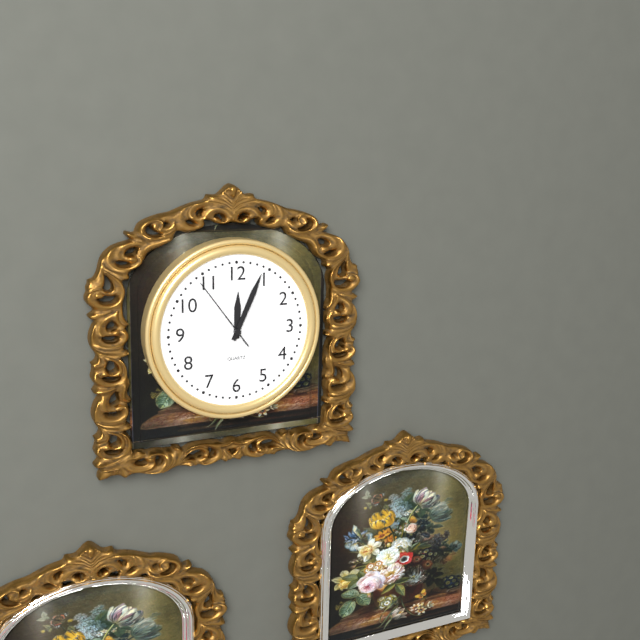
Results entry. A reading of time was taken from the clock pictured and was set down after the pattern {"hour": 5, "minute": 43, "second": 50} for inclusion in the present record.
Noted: {"hour": 12, "minute": 4, "second": 54}
